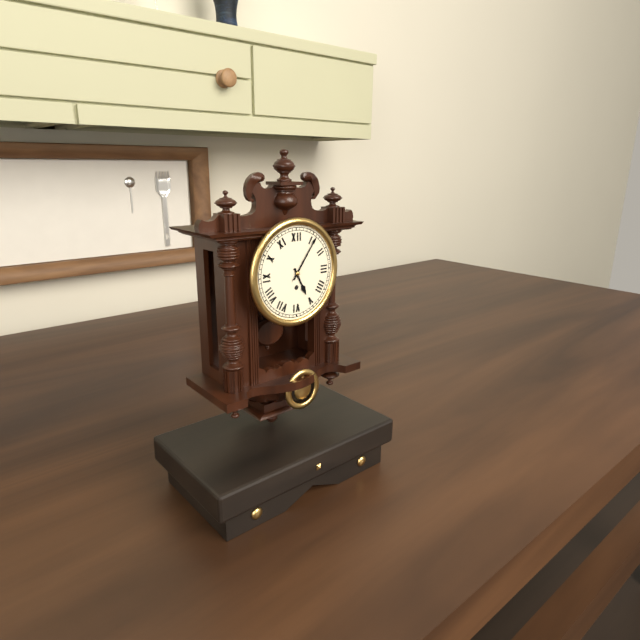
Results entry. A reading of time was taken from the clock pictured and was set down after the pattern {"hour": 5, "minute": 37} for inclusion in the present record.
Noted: {"hour": 5, "minute": 6}
